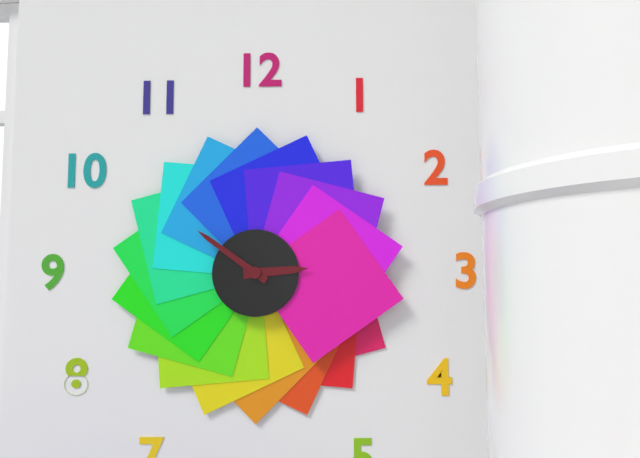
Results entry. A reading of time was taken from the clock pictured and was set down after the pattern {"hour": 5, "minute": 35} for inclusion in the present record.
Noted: {"hour": 2, "minute": 51}
